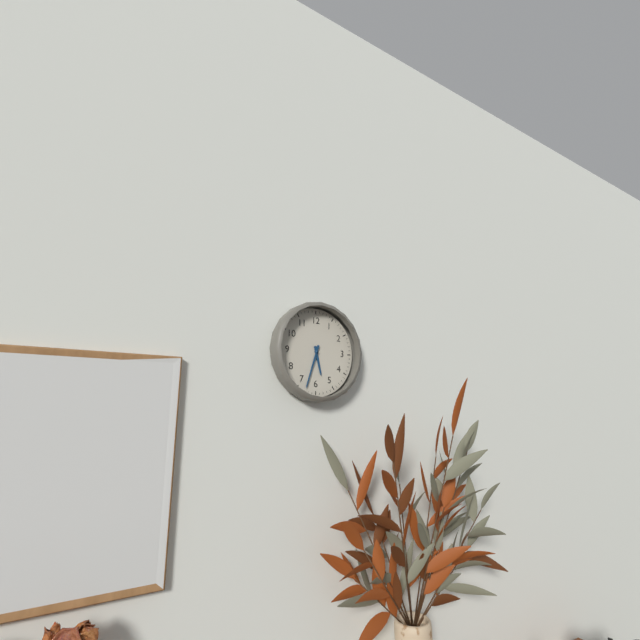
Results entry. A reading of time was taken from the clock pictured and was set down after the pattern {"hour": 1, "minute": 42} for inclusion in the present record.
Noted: {"hour": 5, "minute": 33}
